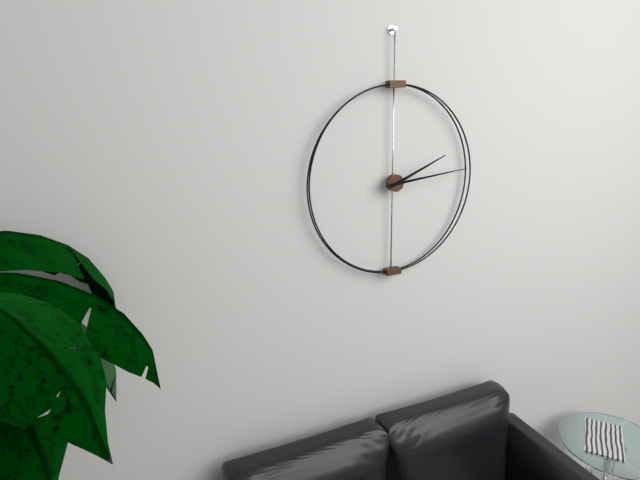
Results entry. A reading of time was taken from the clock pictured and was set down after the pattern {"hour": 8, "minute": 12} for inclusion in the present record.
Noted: {"hour": 2, "minute": 14}
